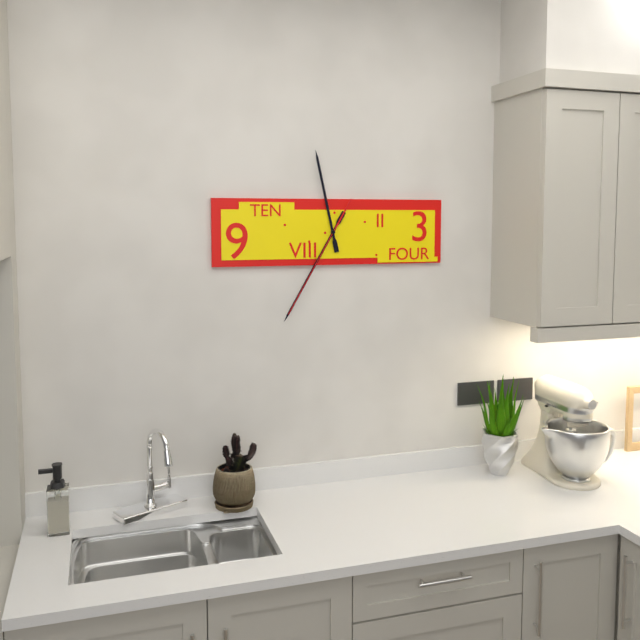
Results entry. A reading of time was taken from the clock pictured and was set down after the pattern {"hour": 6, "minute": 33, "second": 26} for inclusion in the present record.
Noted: {"hour": 11, "minute": 35, "second": 35}
